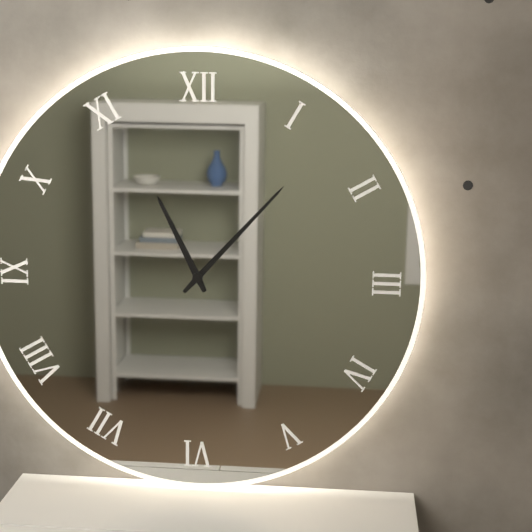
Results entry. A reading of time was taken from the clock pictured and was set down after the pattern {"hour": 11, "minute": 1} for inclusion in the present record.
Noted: {"hour": 11, "minute": 7}
